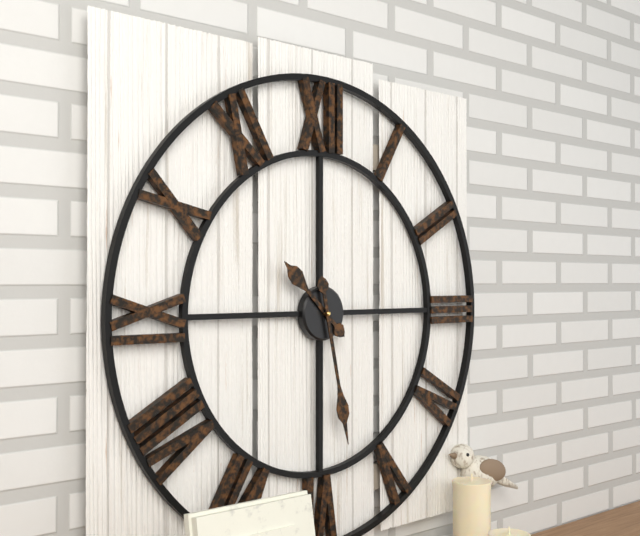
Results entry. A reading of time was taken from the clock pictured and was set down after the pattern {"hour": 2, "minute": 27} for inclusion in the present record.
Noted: {"hour": 10, "minute": 28}
